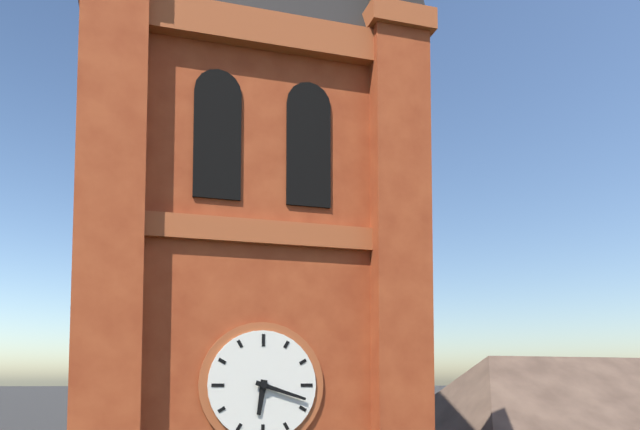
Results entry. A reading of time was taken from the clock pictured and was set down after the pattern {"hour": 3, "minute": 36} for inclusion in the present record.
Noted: {"hour": 6, "minute": 18}
